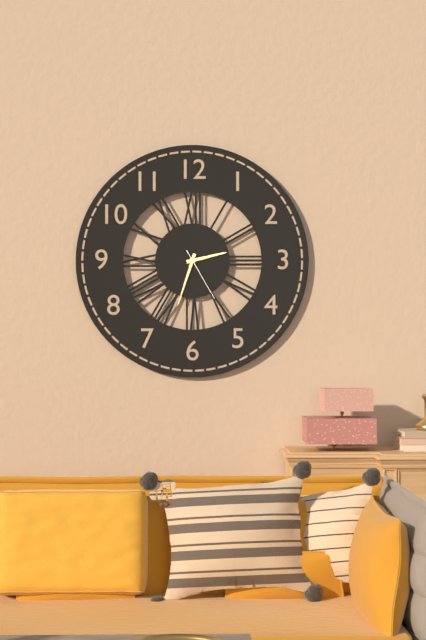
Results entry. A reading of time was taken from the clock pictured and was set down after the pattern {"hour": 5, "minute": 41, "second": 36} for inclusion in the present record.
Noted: {"hour": 2, "minute": 33, "second": 25}
